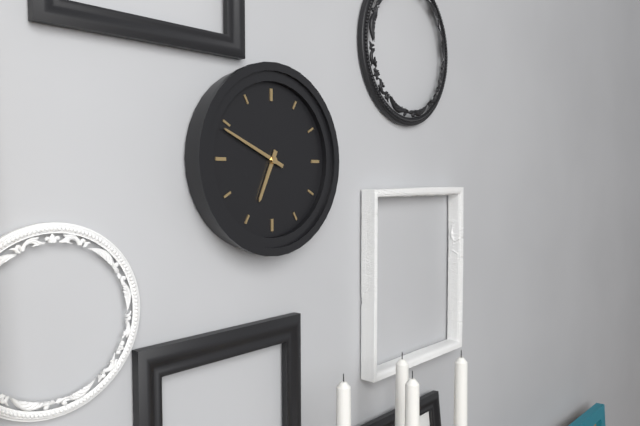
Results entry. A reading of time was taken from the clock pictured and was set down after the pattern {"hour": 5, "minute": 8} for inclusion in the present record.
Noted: {"hour": 6, "minute": 49}
